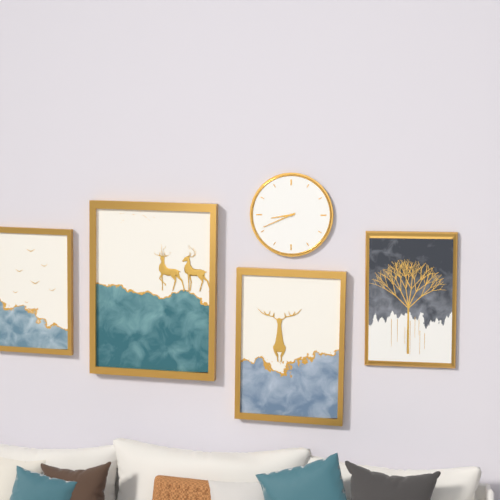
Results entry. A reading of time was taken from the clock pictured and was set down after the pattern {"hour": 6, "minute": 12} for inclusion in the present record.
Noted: {"hour": 8, "minute": 41}
